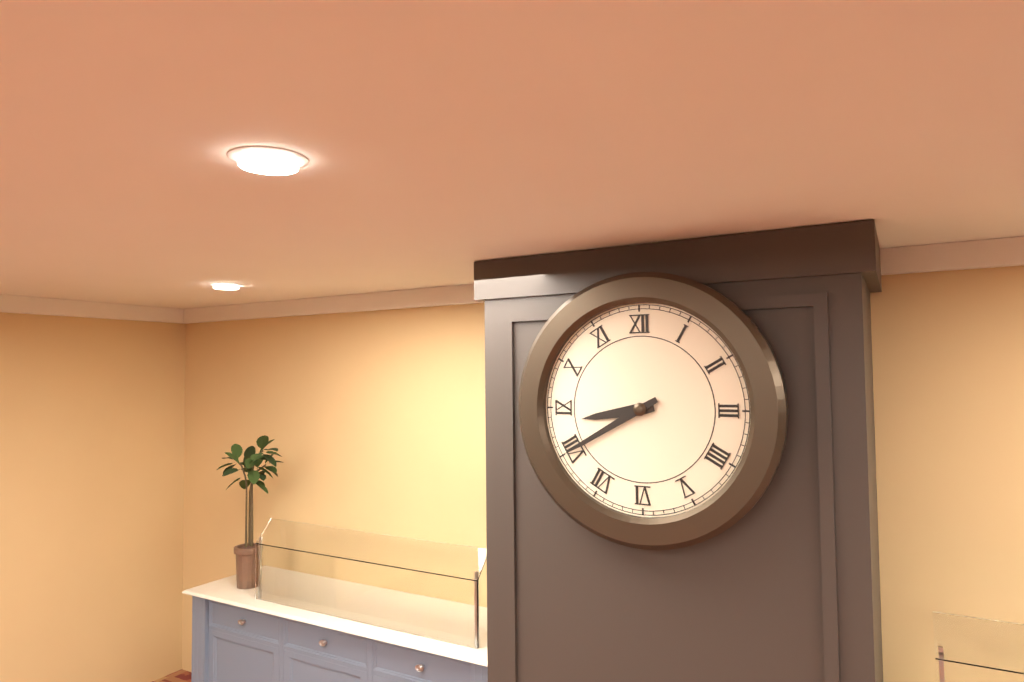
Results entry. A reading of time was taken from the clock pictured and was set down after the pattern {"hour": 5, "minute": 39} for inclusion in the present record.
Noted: {"hour": 8, "minute": 40}
